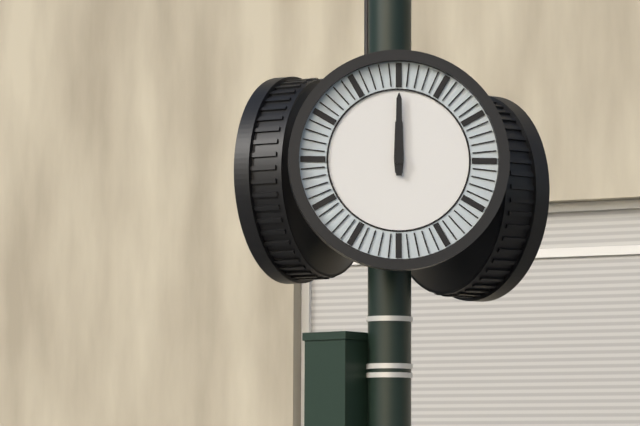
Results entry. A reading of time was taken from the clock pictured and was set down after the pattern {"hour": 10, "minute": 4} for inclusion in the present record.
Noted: {"hour": 12, "minute": 0}
